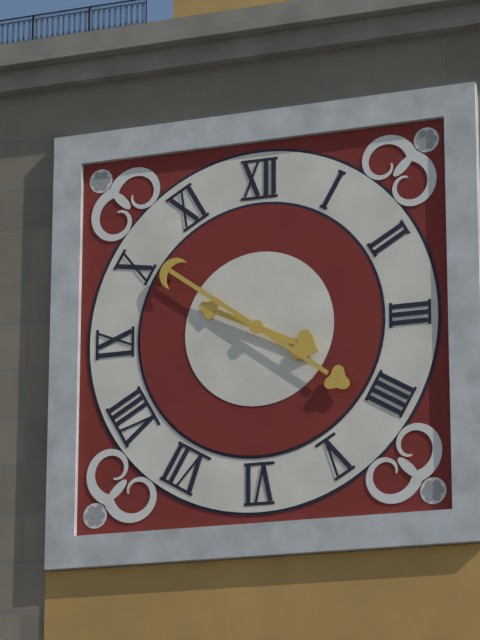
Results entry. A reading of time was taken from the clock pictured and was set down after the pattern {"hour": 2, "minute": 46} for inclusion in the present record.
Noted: {"hour": 3, "minute": 51}
